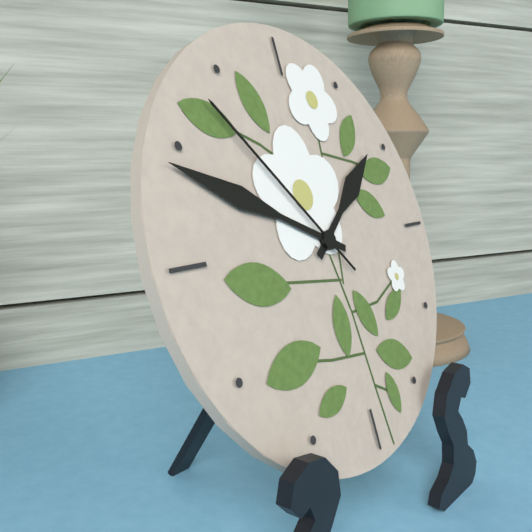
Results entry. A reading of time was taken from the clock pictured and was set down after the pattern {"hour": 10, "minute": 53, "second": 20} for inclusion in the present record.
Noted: {"hour": 1, "minute": 49, "second": 53}
